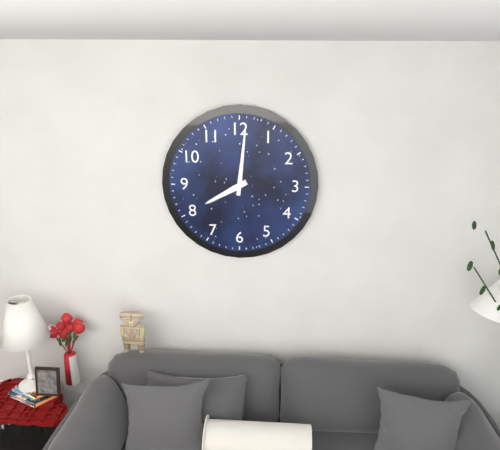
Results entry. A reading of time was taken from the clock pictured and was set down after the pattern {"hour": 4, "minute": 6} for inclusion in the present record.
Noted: {"hour": 8, "minute": 1}
